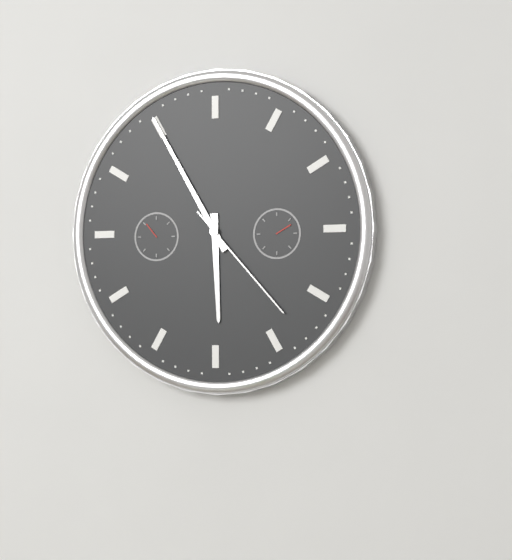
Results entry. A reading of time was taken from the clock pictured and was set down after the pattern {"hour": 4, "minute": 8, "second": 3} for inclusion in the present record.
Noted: {"hour": 5, "minute": 55, "second": 23}
